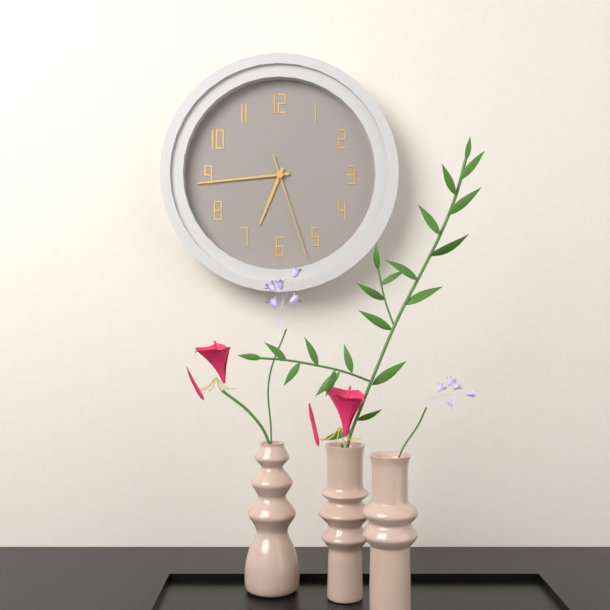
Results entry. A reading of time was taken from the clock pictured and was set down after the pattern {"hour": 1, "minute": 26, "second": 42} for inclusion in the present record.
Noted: {"hour": 6, "minute": 44, "second": 27}
